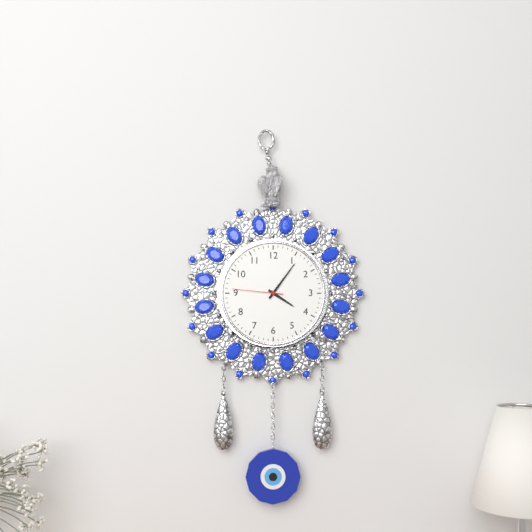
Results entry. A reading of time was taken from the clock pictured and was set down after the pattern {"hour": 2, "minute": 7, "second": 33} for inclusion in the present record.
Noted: {"hour": 4, "minute": 6, "second": 46}
